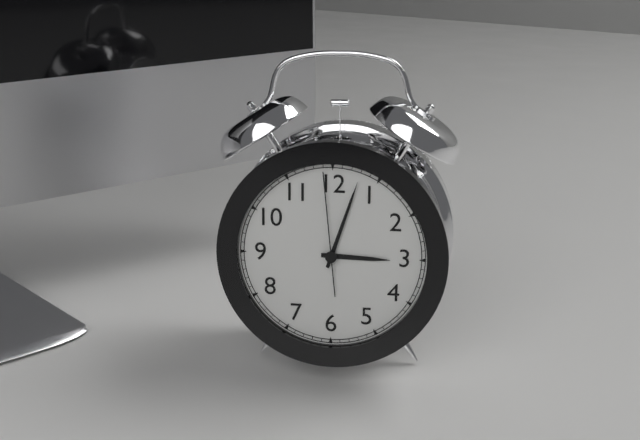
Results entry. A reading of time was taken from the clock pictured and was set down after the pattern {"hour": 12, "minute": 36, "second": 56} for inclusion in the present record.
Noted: {"hour": 3, "minute": 3, "second": 59}
